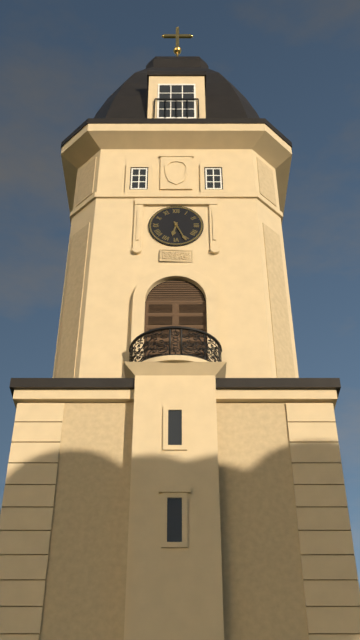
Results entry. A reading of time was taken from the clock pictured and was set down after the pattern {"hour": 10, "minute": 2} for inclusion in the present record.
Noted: {"hour": 6, "minute": 26}
